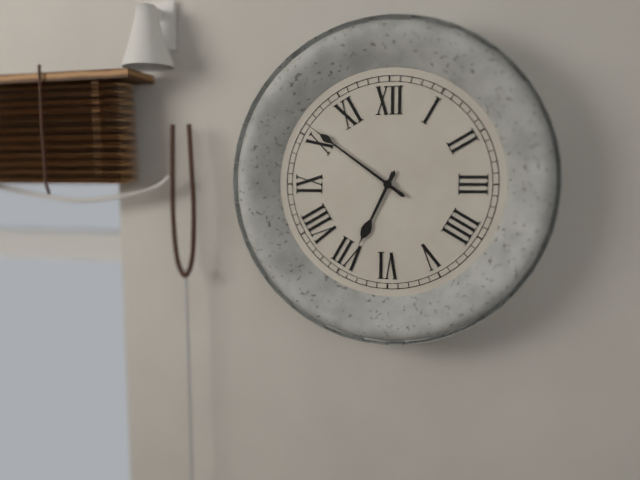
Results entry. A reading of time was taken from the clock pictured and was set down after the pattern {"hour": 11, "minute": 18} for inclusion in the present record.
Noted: {"hour": 6, "minute": 51}
